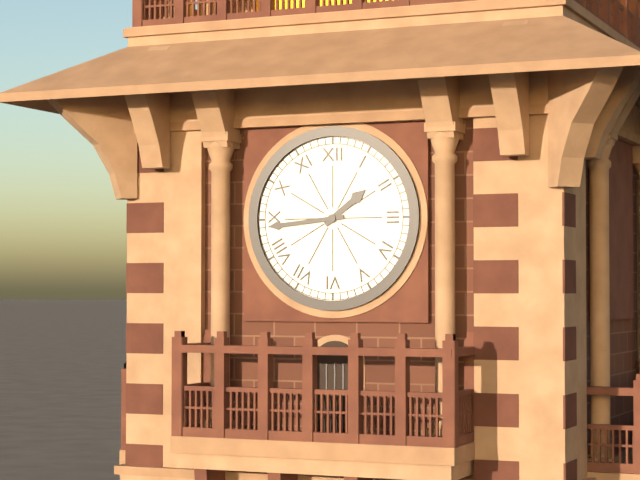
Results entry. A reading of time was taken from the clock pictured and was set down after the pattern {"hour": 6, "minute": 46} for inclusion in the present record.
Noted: {"hour": 1, "minute": 44}
